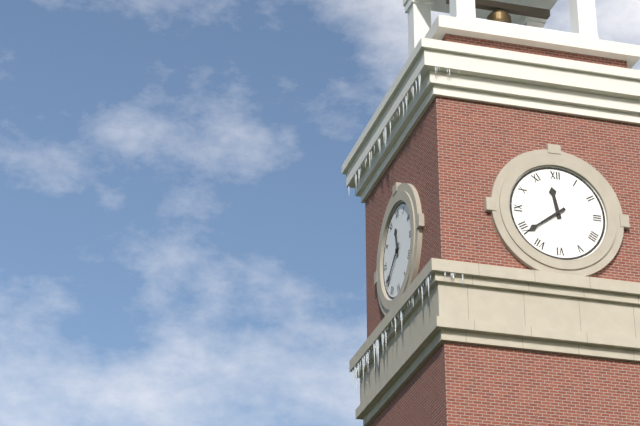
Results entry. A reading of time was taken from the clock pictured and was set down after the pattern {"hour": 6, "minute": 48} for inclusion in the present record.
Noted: {"hour": 11, "minute": 39}
